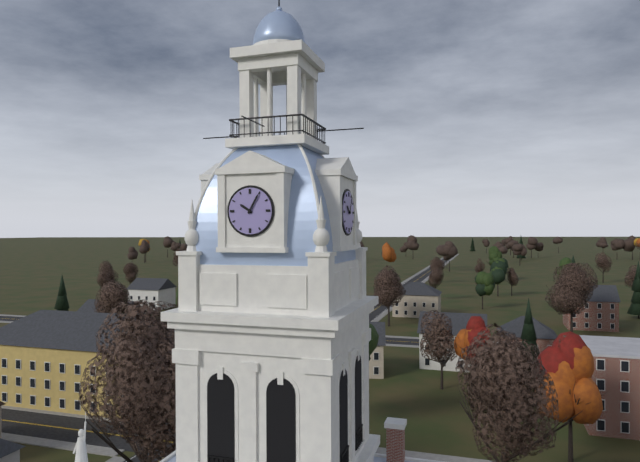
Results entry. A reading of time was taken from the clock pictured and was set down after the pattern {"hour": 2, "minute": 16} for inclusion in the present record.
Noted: {"hour": 10, "minute": 5}
